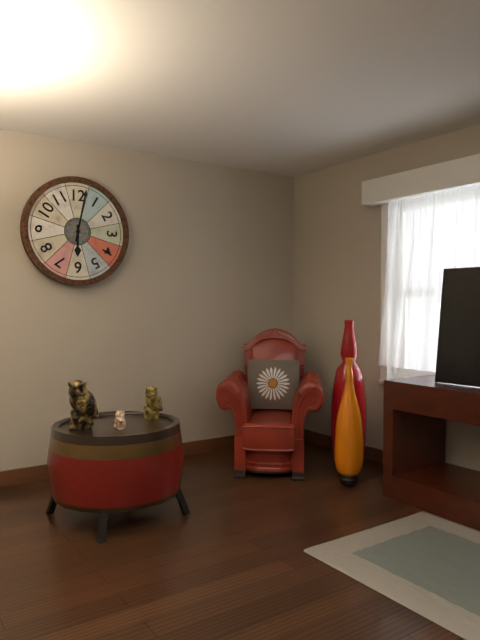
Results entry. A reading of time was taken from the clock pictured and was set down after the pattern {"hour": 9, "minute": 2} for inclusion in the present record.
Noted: {"hour": 6, "minute": 2}
